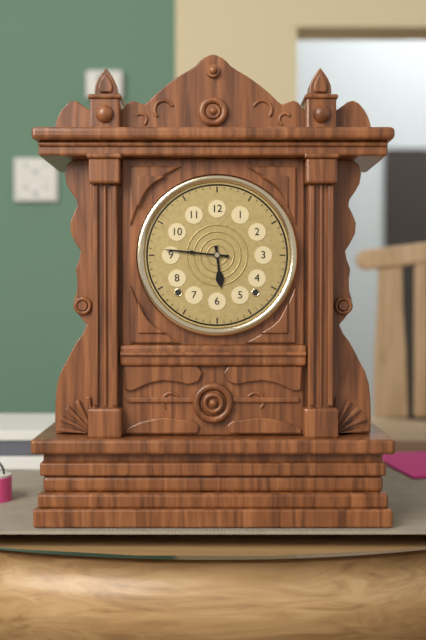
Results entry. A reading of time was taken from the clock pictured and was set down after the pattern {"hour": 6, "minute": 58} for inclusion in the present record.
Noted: {"hour": 5, "minute": 46}
